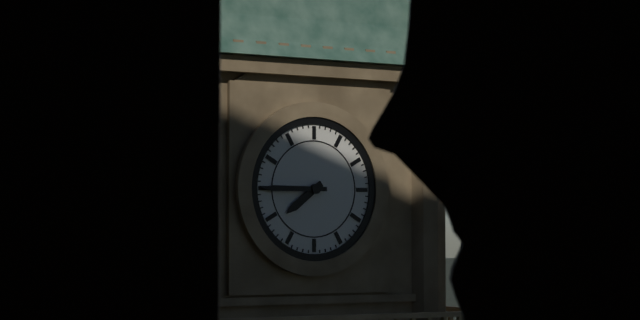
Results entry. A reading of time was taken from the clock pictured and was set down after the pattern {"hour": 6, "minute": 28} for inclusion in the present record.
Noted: {"hour": 7, "minute": 45}
